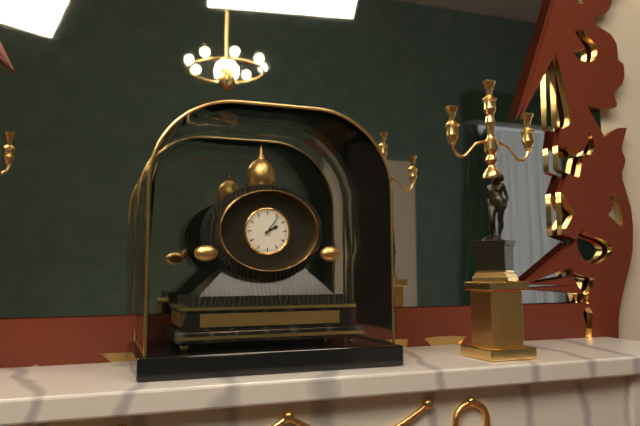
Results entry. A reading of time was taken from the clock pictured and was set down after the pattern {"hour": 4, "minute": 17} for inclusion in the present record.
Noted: {"hour": 2, "minute": 6}
